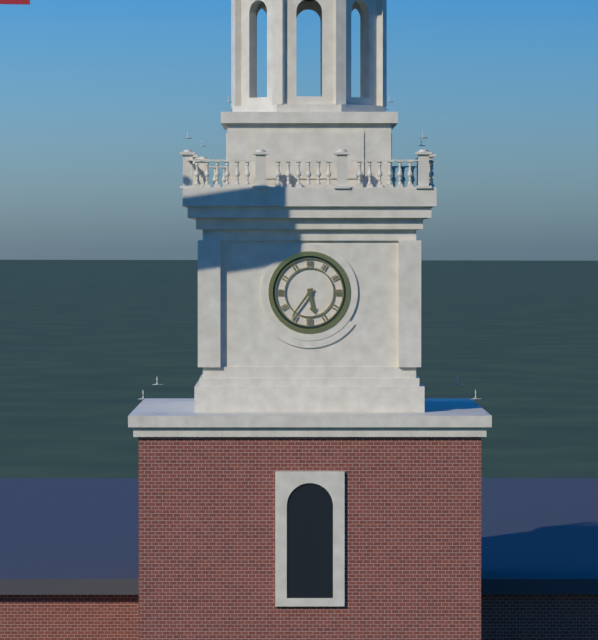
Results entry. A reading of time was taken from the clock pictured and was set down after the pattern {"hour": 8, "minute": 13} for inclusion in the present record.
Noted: {"hour": 5, "minute": 36}
